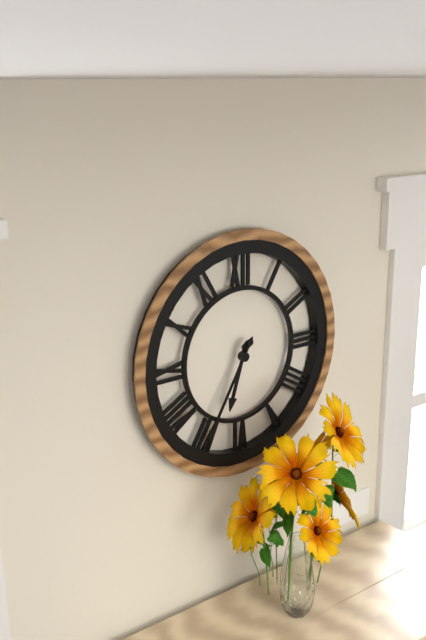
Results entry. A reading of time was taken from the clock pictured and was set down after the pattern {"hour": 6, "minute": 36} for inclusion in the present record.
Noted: {"hour": 6, "minute": 35}
